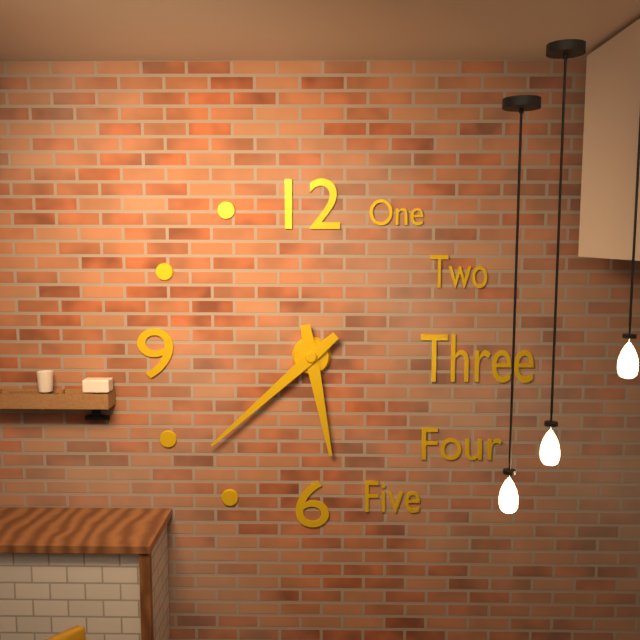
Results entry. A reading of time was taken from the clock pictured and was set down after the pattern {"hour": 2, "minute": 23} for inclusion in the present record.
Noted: {"hour": 5, "minute": 38}
